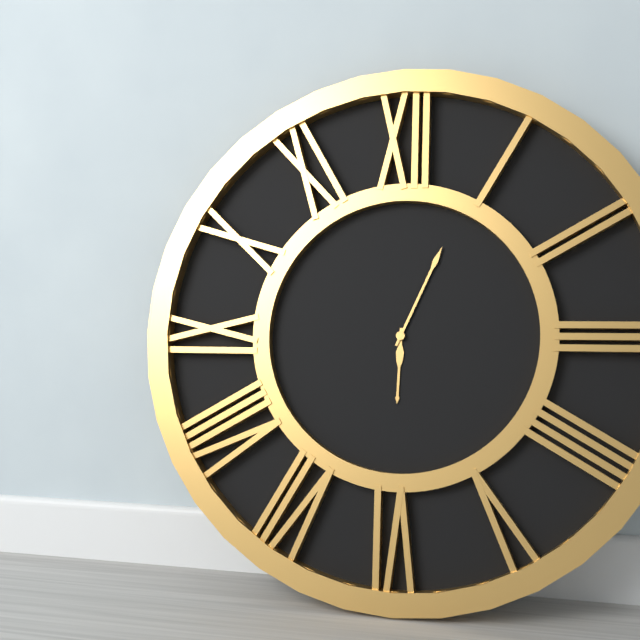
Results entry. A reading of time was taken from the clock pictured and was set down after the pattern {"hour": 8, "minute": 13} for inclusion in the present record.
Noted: {"hour": 6, "minute": 4}
